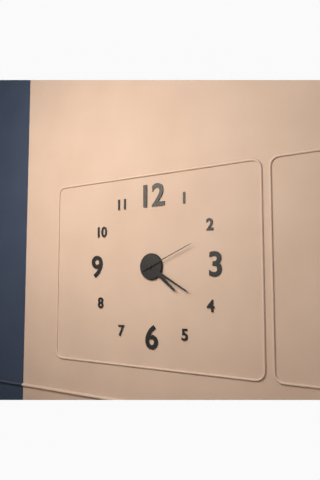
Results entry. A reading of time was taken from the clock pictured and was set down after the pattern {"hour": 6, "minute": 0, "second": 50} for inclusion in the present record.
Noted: {"hour": 4, "minute": 20, "second": 11}
